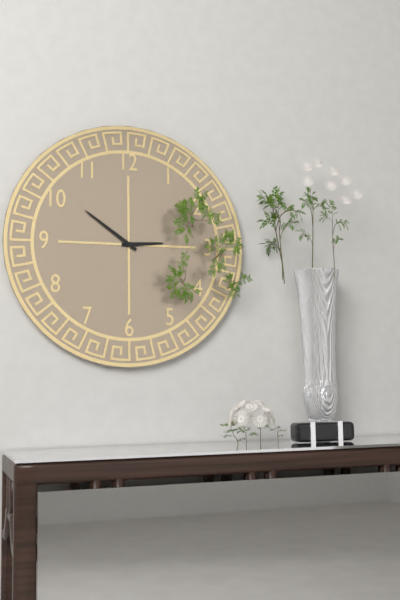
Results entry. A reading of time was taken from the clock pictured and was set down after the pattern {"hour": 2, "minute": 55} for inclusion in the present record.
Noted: {"hour": 2, "minute": 51}
